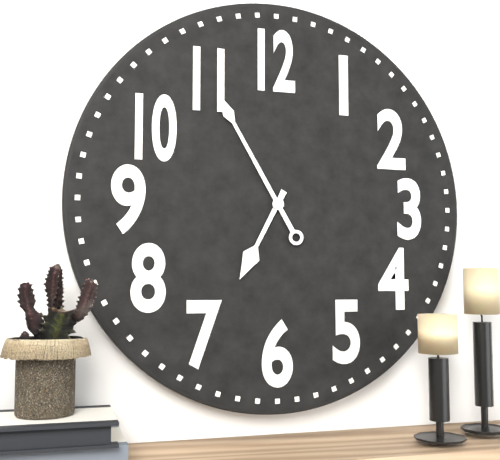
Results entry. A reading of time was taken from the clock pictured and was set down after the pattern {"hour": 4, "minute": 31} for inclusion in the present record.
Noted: {"hour": 6, "minute": 55}
